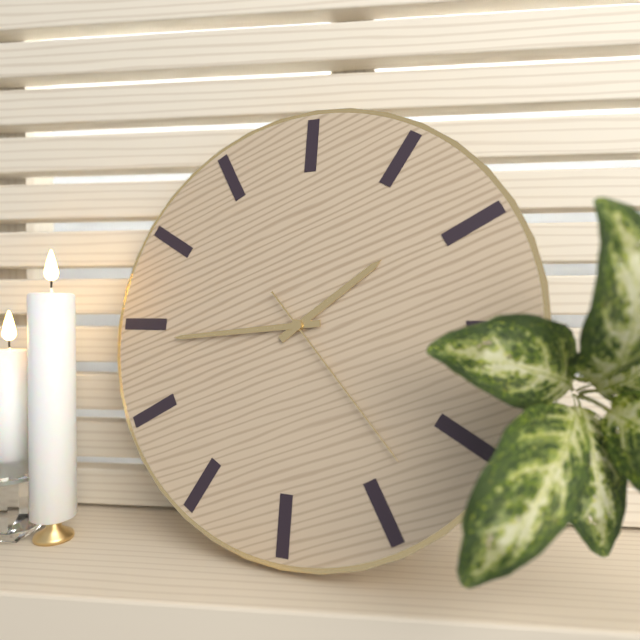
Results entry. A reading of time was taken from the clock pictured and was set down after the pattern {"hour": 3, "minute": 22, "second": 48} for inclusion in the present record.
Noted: {"hour": 1, "minute": 44, "second": 23}
